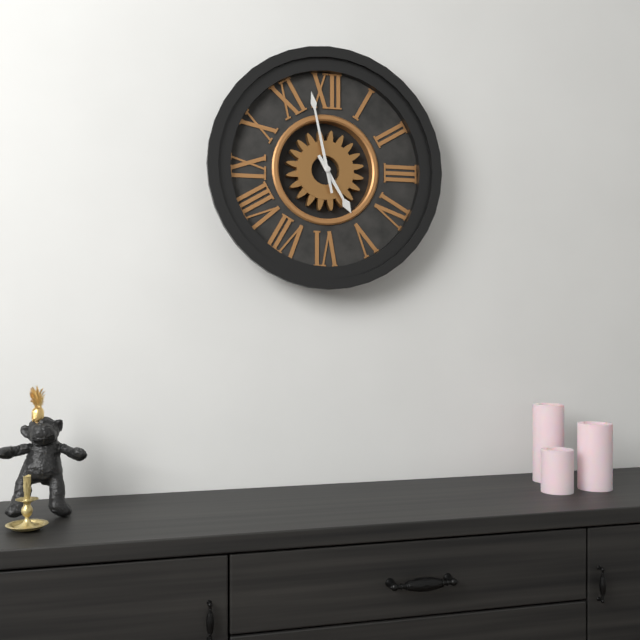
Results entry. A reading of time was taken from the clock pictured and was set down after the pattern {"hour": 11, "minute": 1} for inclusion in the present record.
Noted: {"hour": 4, "minute": 58}
